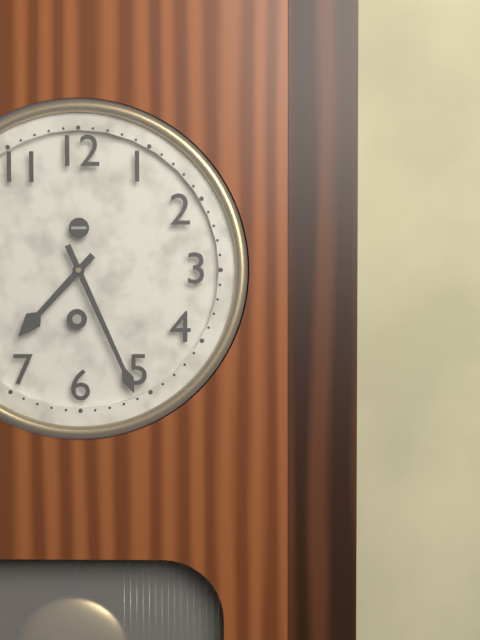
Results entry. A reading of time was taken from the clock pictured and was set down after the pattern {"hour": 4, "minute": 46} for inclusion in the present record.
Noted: {"hour": 7, "minute": 26}
